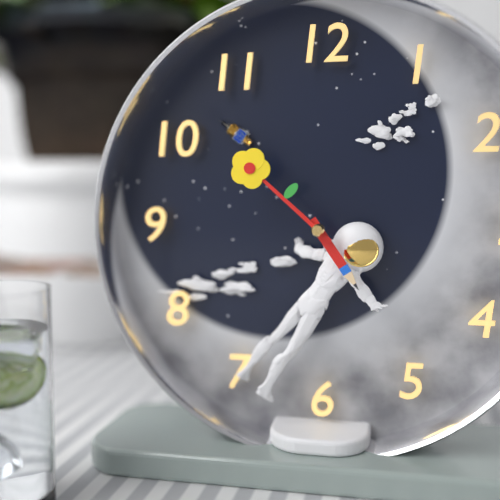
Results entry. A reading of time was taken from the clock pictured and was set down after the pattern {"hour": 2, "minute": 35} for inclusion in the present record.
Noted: {"hour": 4, "minute": 52}
